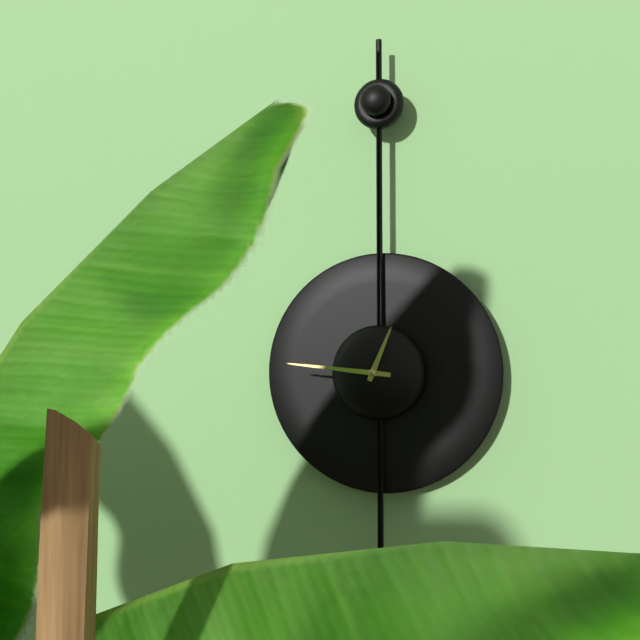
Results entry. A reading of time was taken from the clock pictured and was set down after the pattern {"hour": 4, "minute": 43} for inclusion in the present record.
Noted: {"hour": 12, "minute": 46}
